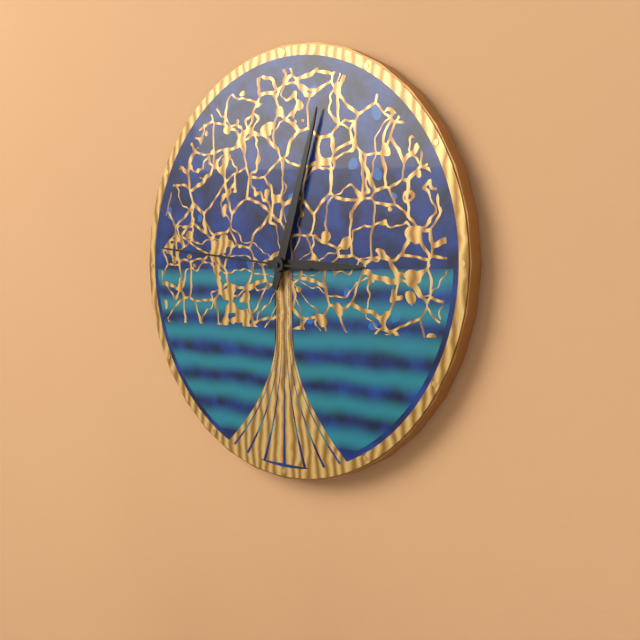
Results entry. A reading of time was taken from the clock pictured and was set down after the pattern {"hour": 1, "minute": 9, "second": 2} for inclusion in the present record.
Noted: {"hour": 3, "minute": 3, "second": 46}
